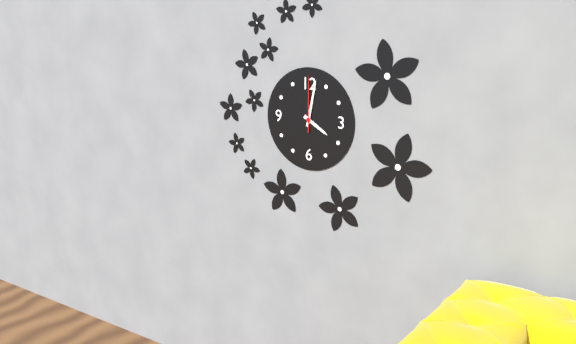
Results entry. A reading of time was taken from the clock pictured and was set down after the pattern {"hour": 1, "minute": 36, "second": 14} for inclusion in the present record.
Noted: {"hour": 4, "minute": 2, "second": 0}
